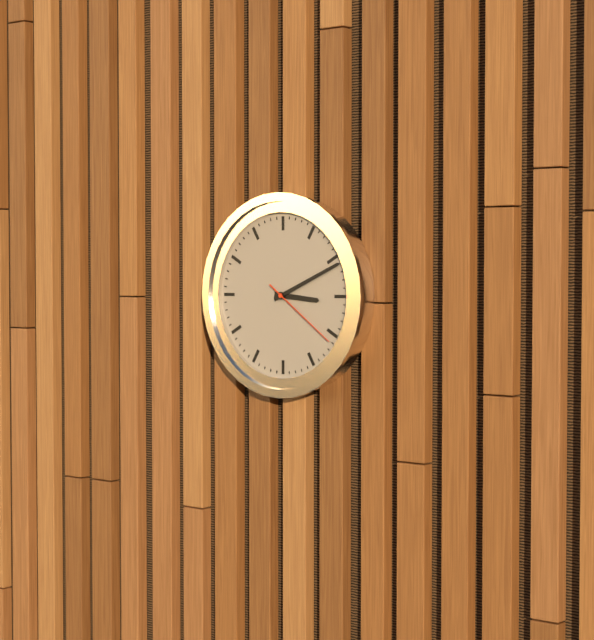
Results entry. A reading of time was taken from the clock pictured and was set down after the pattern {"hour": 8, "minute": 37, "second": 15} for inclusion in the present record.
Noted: {"hour": 3, "minute": 11, "second": 21}
